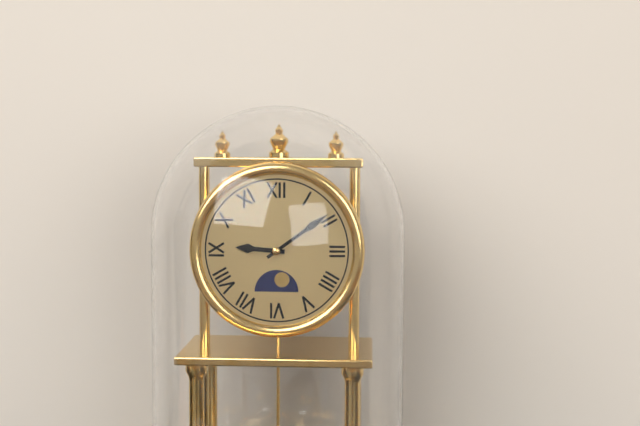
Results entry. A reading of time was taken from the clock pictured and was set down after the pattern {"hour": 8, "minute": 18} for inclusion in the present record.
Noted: {"hour": 9, "minute": 9}
